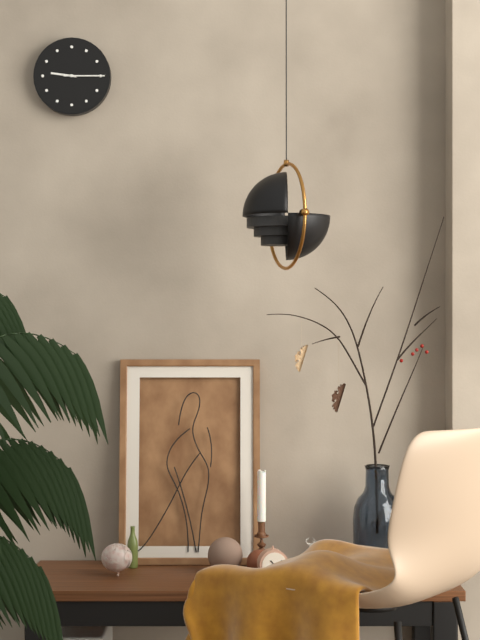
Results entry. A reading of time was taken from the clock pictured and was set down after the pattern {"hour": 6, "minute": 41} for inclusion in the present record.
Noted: {"hour": 9, "minute": 15}
